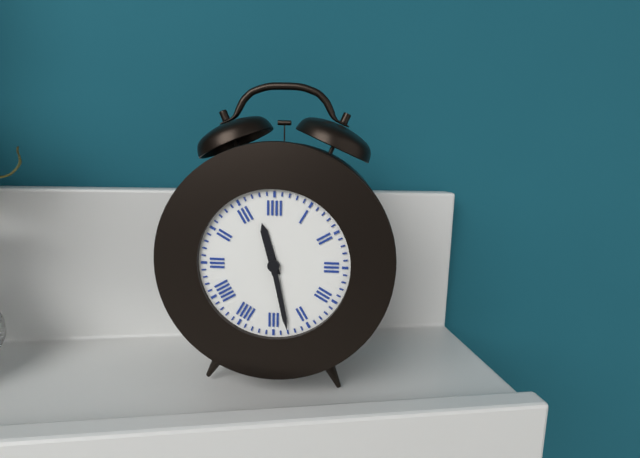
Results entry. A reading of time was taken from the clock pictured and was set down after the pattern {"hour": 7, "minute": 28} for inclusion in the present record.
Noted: {"hour": 11, "minute": 28}
